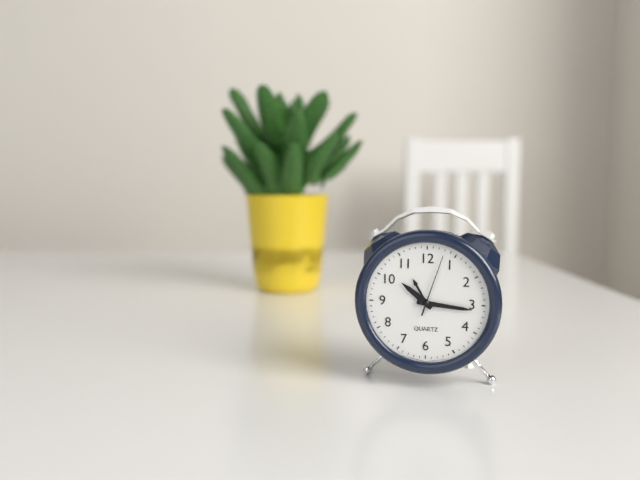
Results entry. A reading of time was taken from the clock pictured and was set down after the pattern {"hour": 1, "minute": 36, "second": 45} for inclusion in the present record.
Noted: {"hour": 10, "minute": 16, "second": 3}
